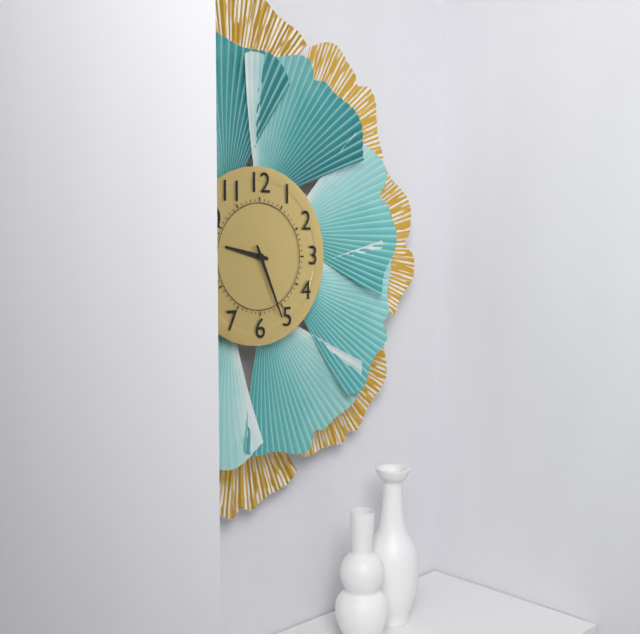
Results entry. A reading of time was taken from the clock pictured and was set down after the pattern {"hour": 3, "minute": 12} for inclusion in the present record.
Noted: {"hour": 9, "minute": 26}
